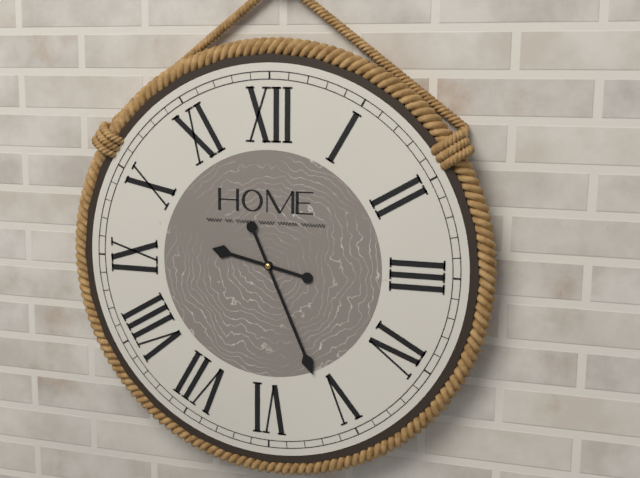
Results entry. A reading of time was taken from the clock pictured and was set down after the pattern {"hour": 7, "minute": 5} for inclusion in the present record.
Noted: {"hour": 9, "minute": 26}
